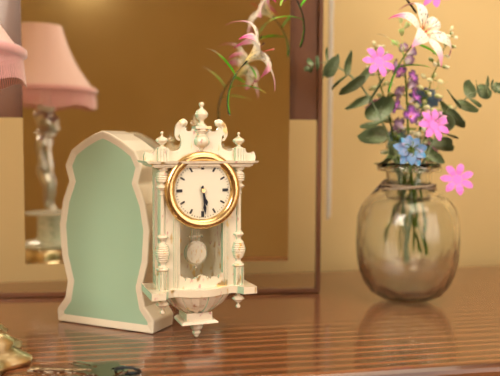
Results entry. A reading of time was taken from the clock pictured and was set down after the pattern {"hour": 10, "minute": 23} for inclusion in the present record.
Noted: {"hour": 5, "minute": 29}
